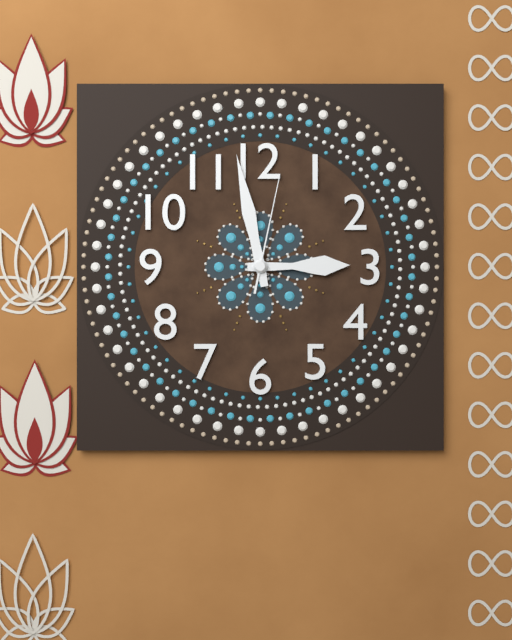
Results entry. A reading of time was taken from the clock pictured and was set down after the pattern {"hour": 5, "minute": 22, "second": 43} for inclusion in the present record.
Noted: {"hour": 2, "minute": 58, "second": 2}
